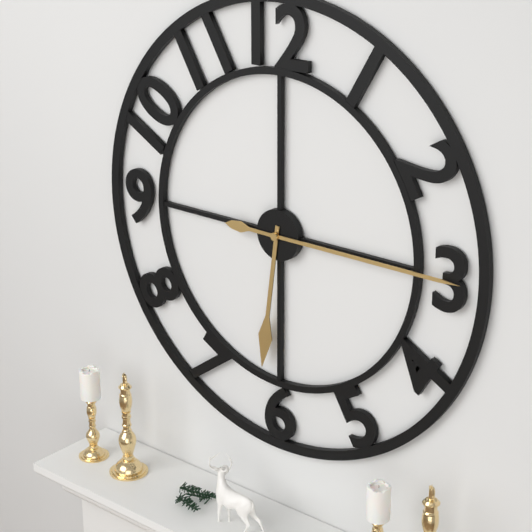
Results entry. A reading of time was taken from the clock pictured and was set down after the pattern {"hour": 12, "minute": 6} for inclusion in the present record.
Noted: {"hour": 6, "minute": 15}
